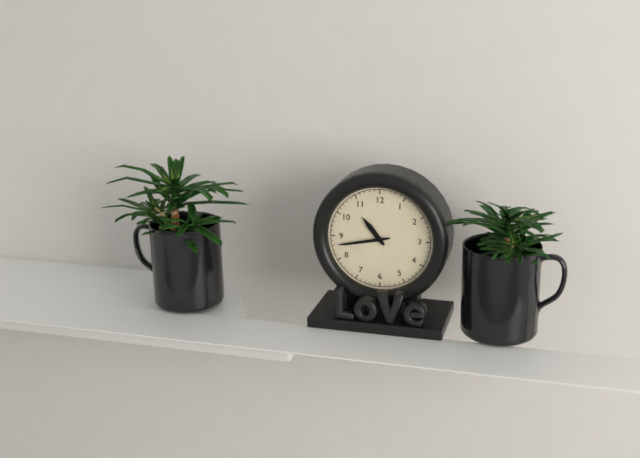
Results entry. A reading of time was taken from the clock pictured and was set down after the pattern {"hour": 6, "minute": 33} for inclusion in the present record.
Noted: {"hour": 10, "minute": 43}
